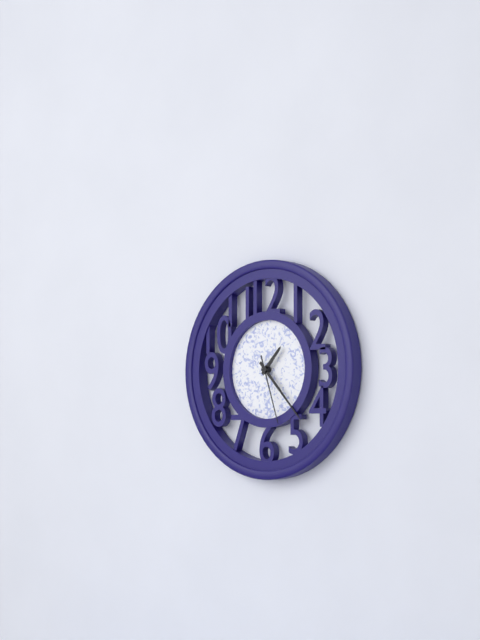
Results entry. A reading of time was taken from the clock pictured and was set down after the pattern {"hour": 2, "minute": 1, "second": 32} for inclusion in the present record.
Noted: {"hour": 1, "minute": 23, "second": 27}
